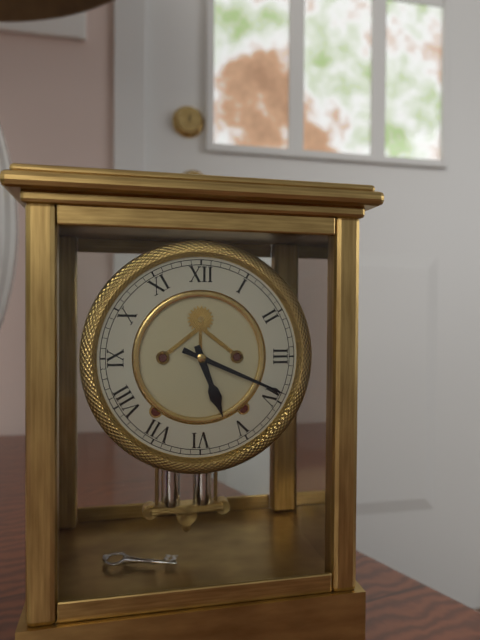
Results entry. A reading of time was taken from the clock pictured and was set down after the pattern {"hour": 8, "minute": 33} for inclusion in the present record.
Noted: {"hour": 5, "minute": 19}
